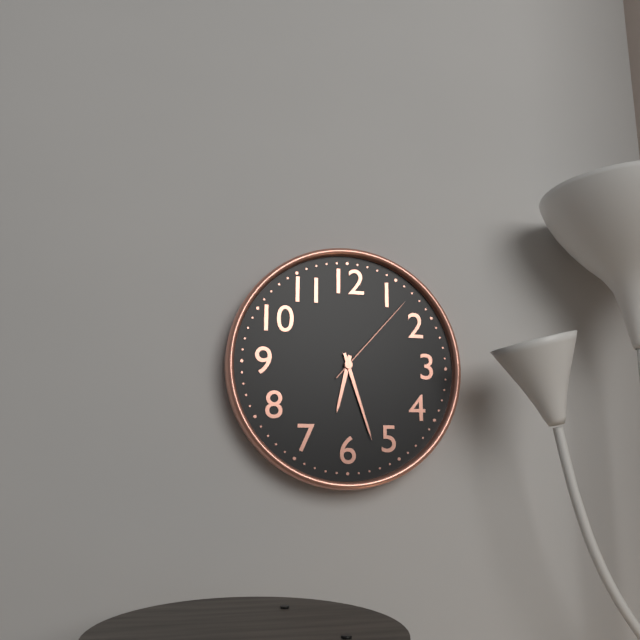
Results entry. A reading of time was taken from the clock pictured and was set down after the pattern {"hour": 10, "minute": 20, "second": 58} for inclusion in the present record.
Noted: {"hour": 6, "minute": 27, "second": 7}
